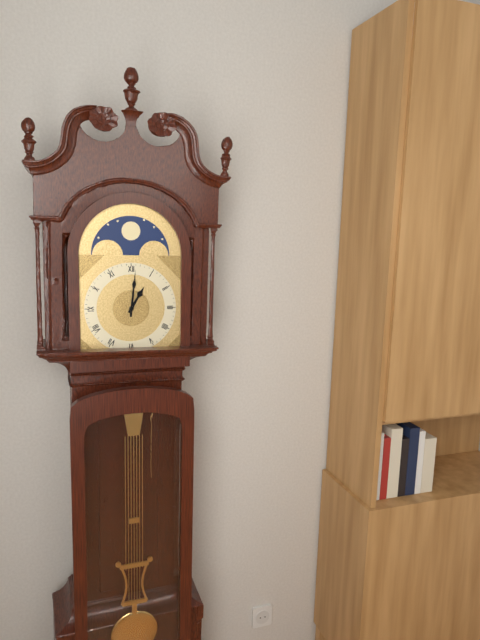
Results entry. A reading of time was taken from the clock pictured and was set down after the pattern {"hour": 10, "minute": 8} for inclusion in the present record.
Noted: {"hour": 1, "minute": 1}
